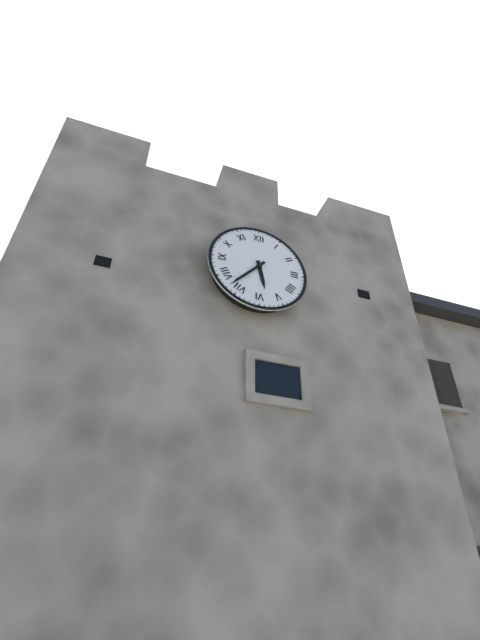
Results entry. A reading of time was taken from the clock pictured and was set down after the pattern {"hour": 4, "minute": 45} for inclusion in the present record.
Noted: {"hour": 5, "minute": 37}
